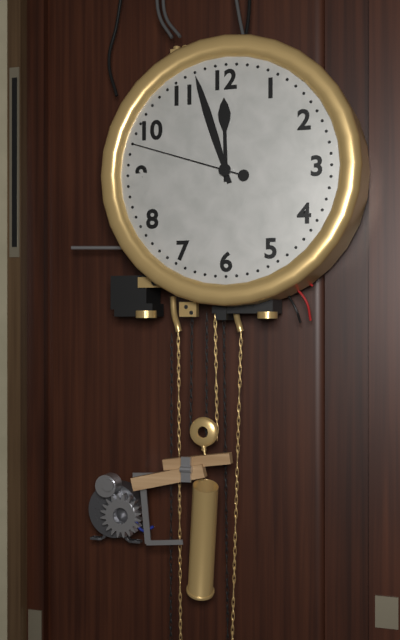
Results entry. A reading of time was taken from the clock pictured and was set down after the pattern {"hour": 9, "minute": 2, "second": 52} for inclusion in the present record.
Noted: {"hour": 11, "minute": 57, "second": 48}
